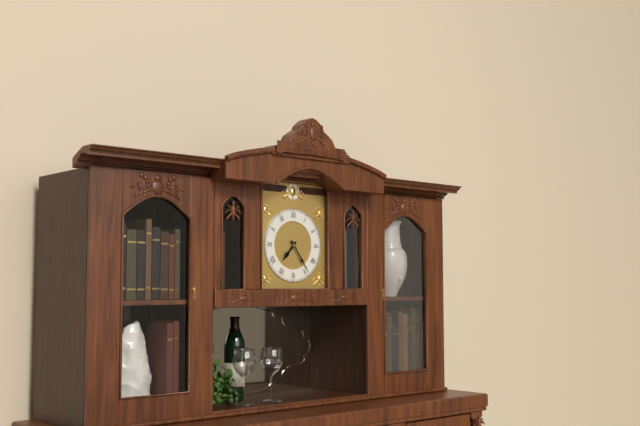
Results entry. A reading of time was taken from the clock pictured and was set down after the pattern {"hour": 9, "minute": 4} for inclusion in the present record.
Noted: {"hour": 7, "minute": 24}
